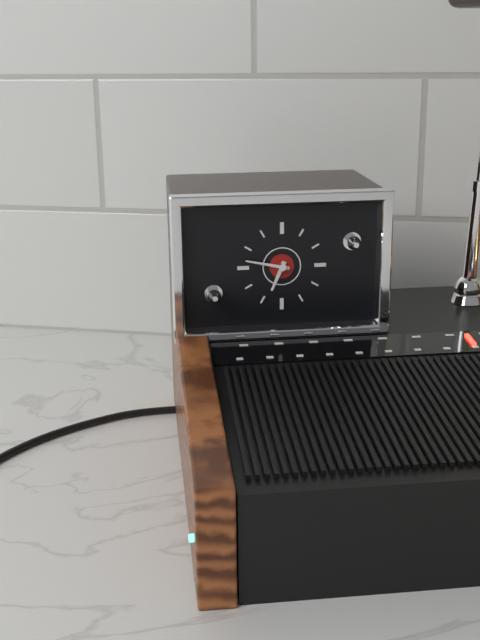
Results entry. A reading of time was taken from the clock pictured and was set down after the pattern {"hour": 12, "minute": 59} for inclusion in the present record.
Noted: {"hour": 6, "minute": 47}
